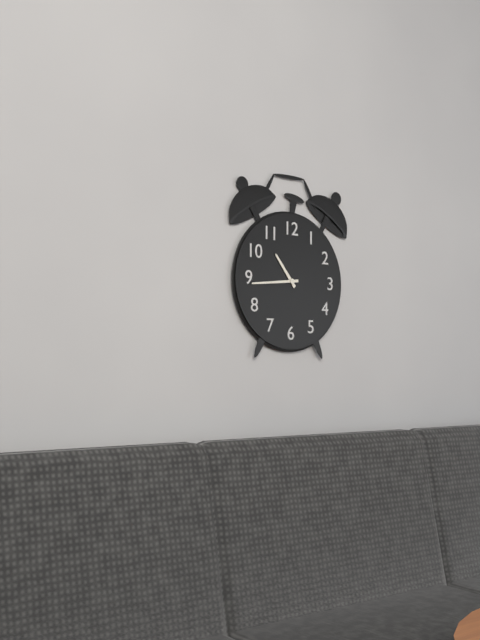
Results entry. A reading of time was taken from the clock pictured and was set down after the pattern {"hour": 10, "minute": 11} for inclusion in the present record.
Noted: {"hour": 10, "minute": 44}
